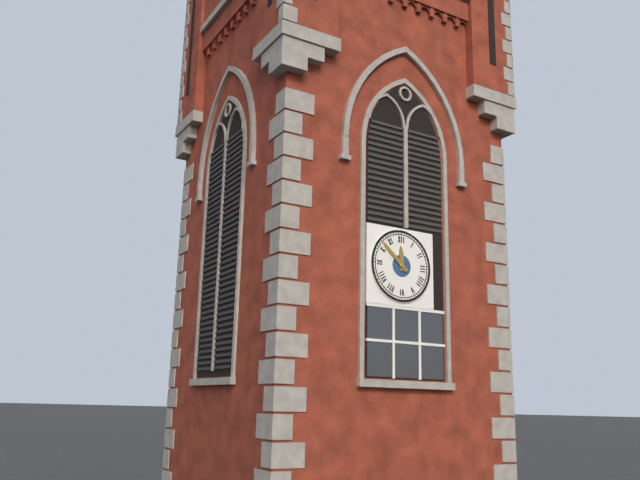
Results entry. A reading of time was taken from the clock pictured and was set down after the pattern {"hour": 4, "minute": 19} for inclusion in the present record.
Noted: {"hour": 11, "minute": 52}
